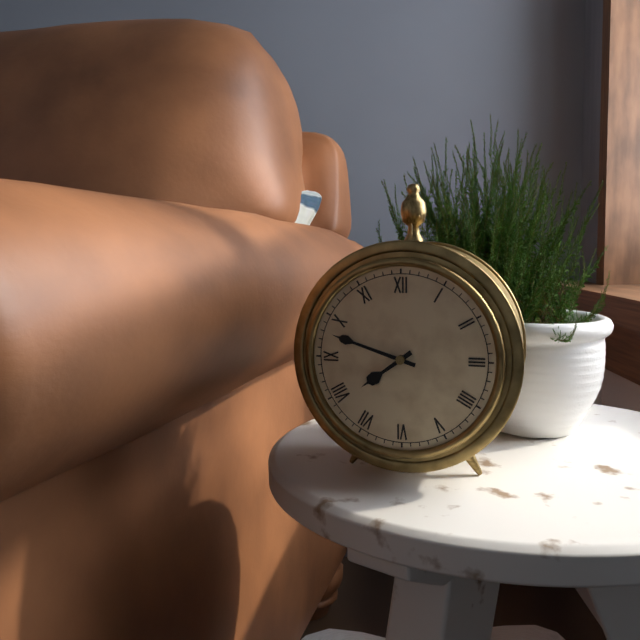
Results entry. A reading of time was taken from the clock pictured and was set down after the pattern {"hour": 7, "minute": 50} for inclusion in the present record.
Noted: {"hour": 7, "minute": 48}
